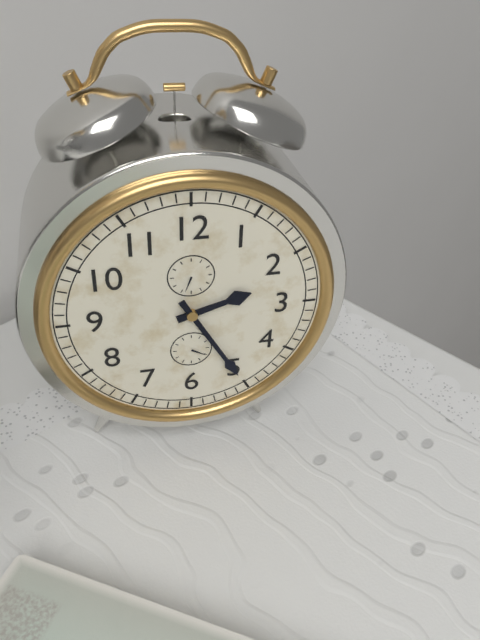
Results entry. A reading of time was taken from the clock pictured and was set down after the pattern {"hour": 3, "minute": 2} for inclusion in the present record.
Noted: {"hour": 2, "minute": 25}
